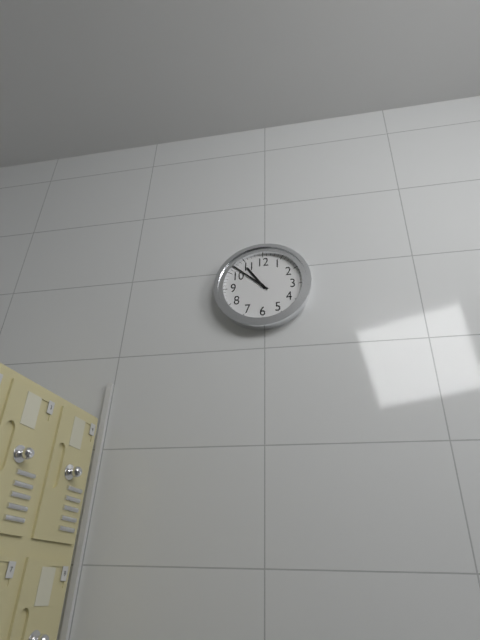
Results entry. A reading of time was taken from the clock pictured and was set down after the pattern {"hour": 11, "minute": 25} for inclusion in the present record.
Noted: {"hour": 10, "minute": 52}
